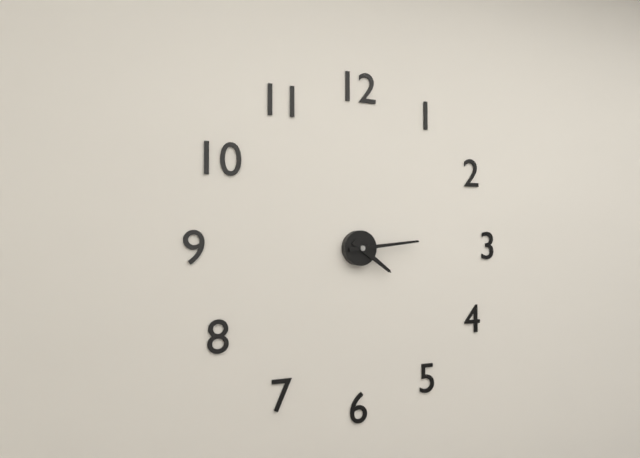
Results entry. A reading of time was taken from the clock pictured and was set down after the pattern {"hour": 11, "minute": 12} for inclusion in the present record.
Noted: {"hour": 4, "minute": 14}
